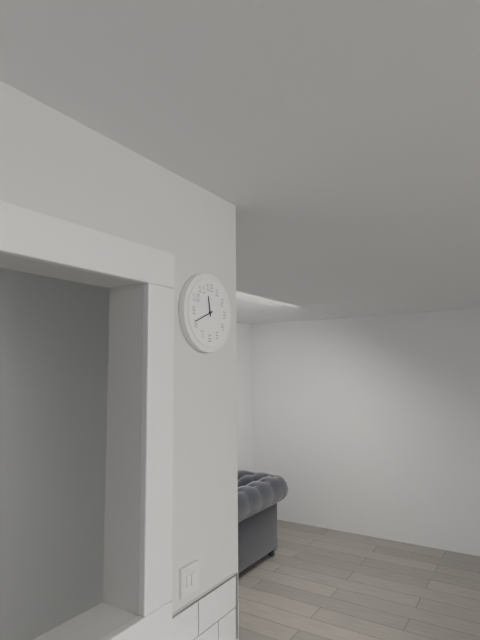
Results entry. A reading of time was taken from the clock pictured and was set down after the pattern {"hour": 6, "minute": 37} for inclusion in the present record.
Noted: {"hour": 11, "minute": 41}
